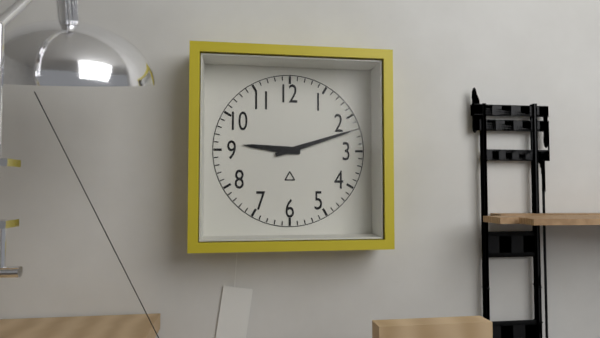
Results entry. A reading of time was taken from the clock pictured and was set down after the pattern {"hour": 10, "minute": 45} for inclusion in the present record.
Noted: {"hour": 9, "minute": 12}
